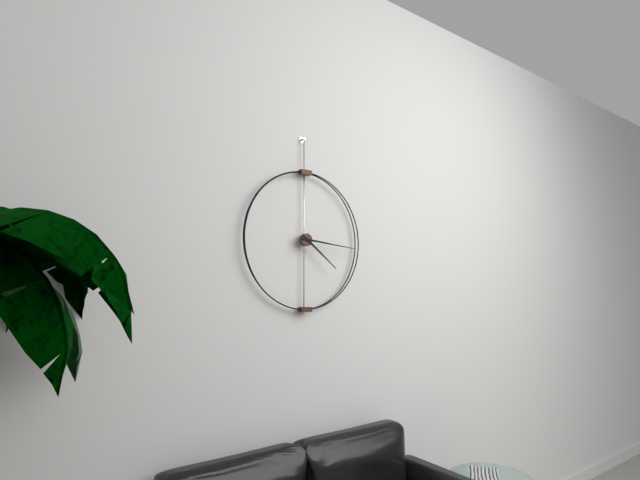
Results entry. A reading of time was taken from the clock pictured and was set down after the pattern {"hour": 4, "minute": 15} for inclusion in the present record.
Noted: {"hour": 4, "minute": 16}
